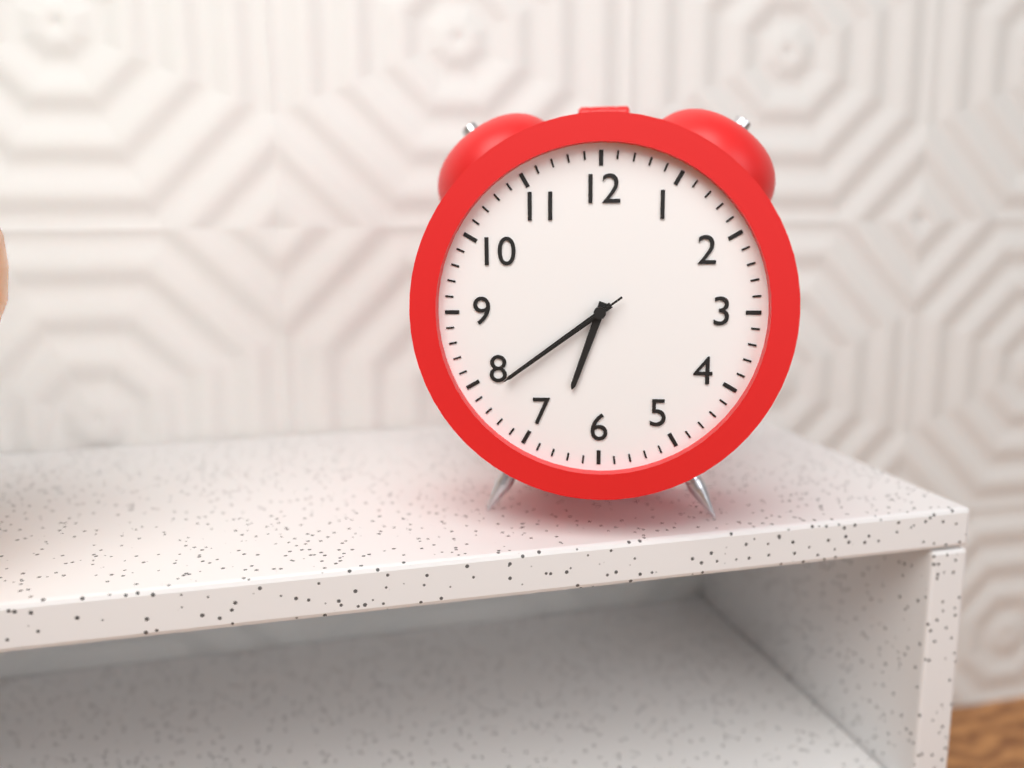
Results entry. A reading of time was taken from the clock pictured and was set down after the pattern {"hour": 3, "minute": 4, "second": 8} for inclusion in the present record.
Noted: {"hour": 6, "minute": 39, "second": 39}
